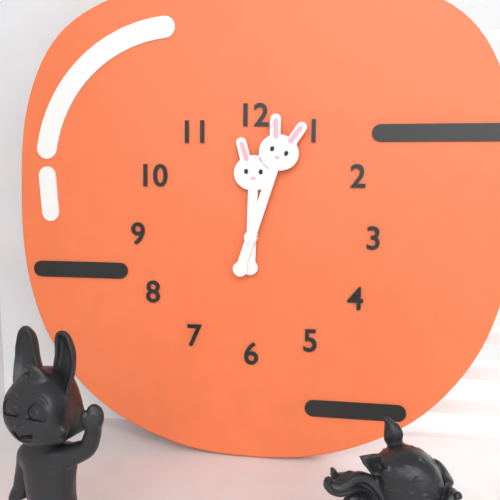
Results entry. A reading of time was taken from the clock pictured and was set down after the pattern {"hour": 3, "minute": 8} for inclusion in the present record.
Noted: {"hour": 12, "minute": 3}
